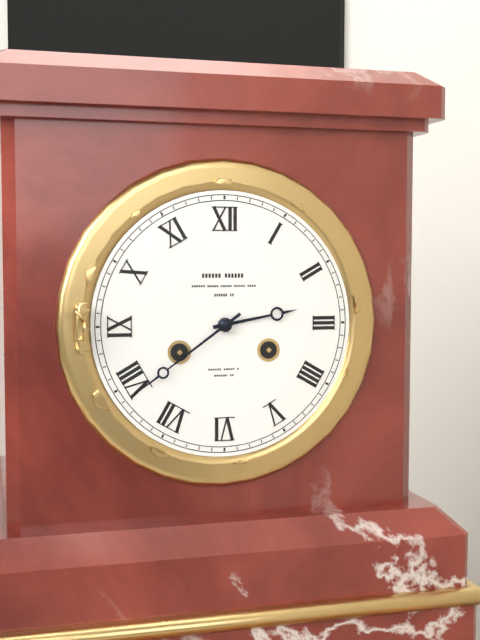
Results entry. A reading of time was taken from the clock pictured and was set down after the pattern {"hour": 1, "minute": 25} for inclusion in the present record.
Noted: {"hour": 2, "minute": 39}
